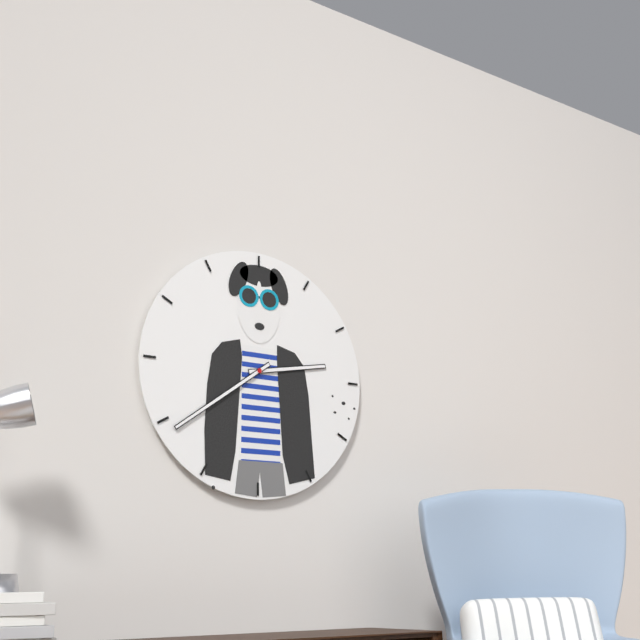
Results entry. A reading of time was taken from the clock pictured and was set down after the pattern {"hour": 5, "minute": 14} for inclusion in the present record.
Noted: {"hour": 2, "minute": 39}
